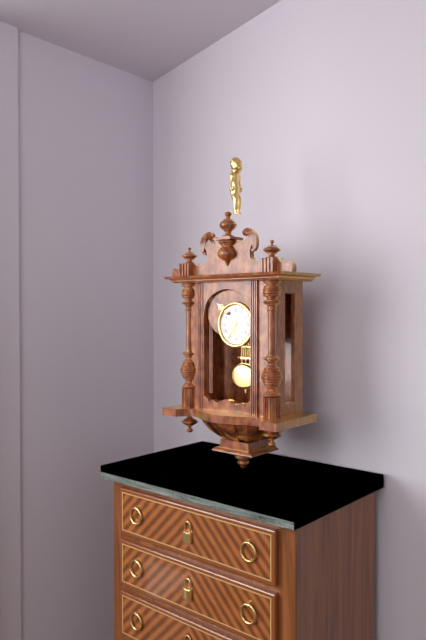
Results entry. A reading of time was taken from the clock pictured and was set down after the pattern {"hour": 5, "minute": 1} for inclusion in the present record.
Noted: {"hour": 6, "minute": 36}
